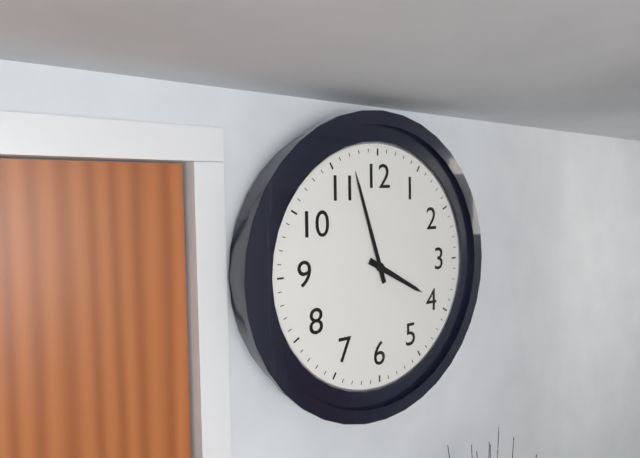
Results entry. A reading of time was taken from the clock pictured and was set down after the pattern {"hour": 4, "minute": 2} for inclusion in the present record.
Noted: {"hour": 3, "minute": 57}
